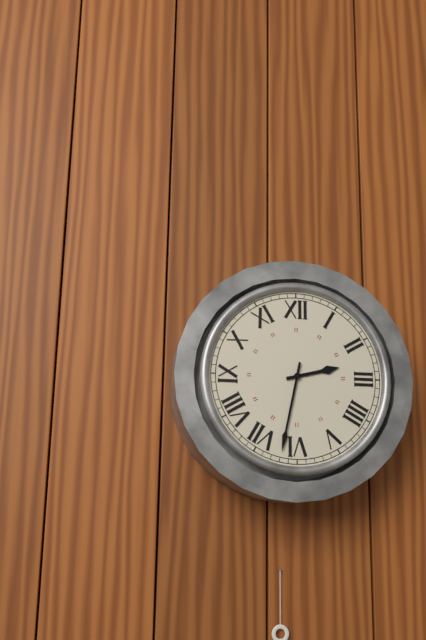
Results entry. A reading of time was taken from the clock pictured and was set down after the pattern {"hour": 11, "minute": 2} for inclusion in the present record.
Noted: {"hour": 2, "minute": 32}
